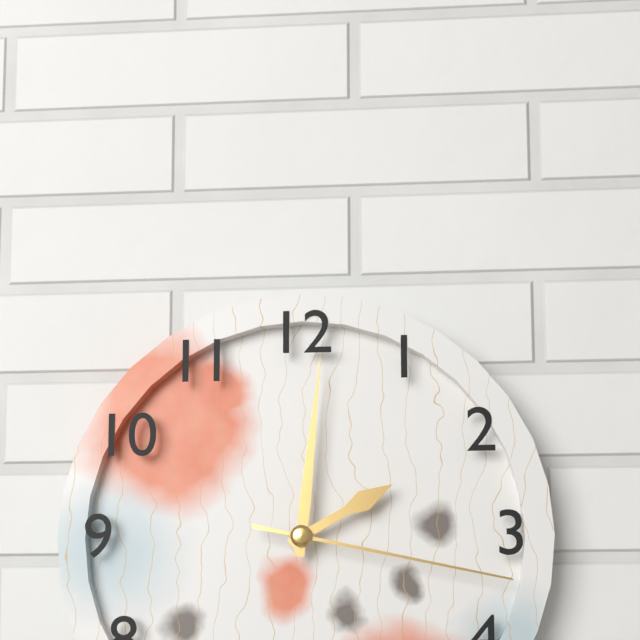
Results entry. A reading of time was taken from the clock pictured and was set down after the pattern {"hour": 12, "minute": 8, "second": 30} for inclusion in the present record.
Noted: {"hour": 2, "minute": 1, "second": 17}
